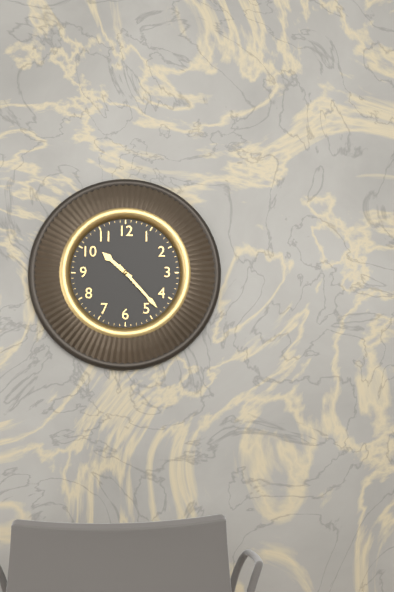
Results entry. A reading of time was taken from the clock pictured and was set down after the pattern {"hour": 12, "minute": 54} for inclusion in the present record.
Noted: {"hour": 10, "minute": 23}
